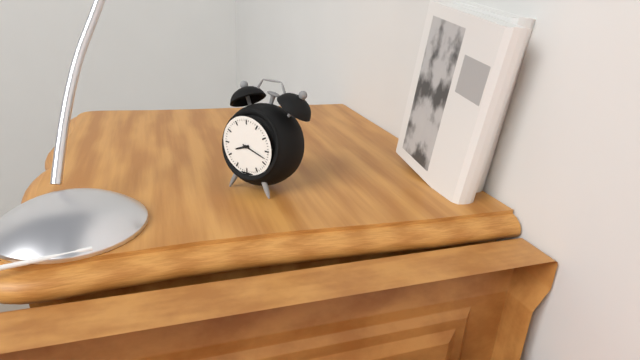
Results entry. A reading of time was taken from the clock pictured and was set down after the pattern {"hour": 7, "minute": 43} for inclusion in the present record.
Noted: {"hour": 8, "minute": 18}
